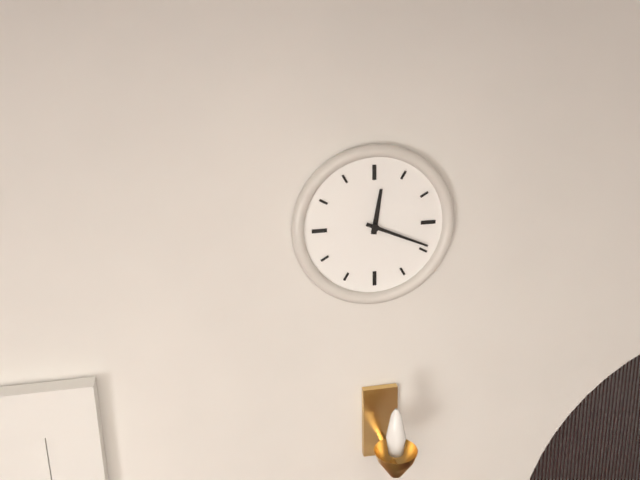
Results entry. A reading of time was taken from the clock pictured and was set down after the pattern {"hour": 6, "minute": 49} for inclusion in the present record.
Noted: {"hour": 12, "minute": 19}
